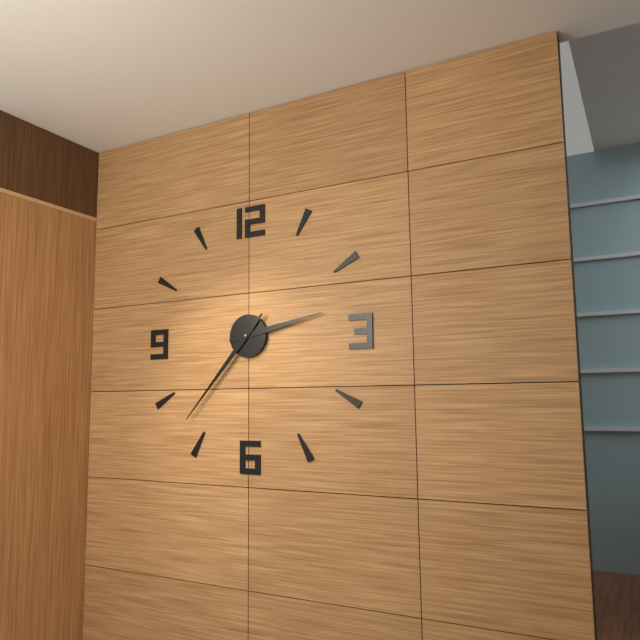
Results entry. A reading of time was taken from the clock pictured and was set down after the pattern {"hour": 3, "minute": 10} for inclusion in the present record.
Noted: {"hour": 2, "minute": 37}
